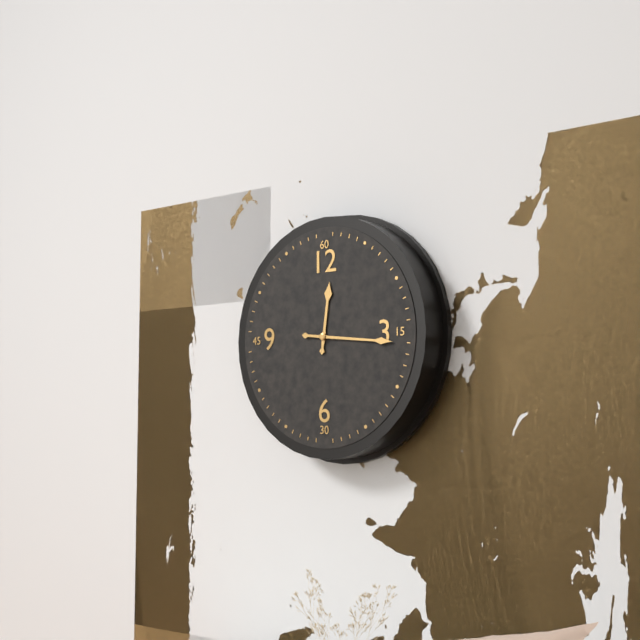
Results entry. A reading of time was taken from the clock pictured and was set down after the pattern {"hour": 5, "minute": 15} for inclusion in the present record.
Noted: {"hour": 12, "minute": 16}
